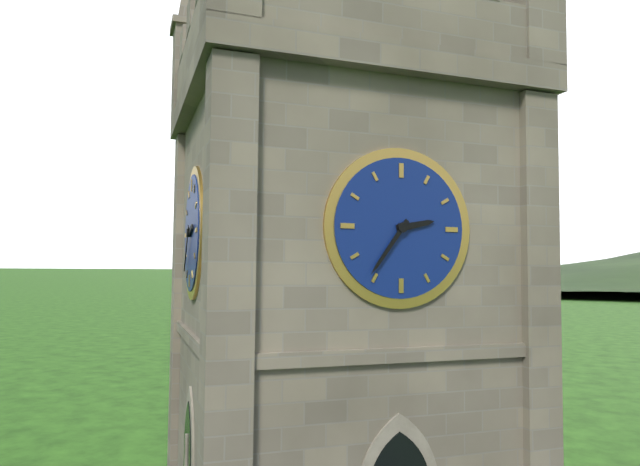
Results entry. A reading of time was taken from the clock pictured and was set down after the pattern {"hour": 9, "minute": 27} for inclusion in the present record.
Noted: {"hour": 2, "minute": 36}
